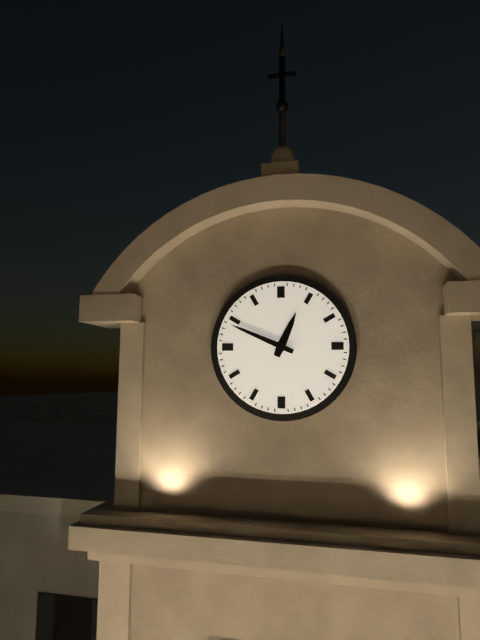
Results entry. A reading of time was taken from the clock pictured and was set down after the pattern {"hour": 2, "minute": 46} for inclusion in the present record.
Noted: {"hour": 12, "minute": 49}
